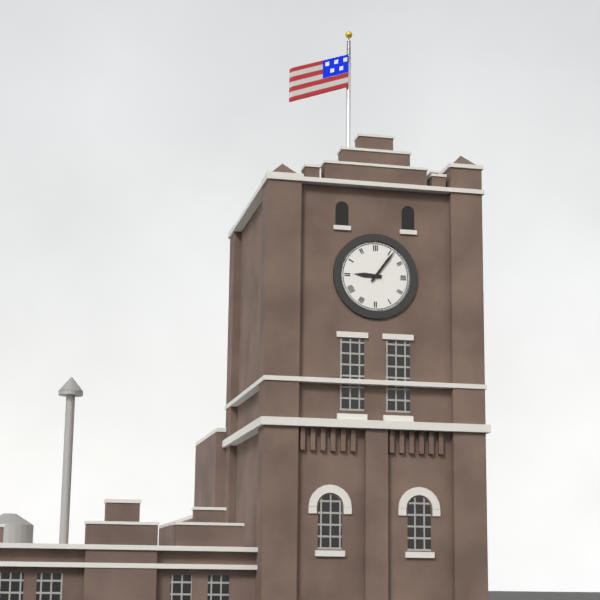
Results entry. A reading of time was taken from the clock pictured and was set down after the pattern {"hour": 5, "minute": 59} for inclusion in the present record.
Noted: {"hour": 9, "minute": 6}
